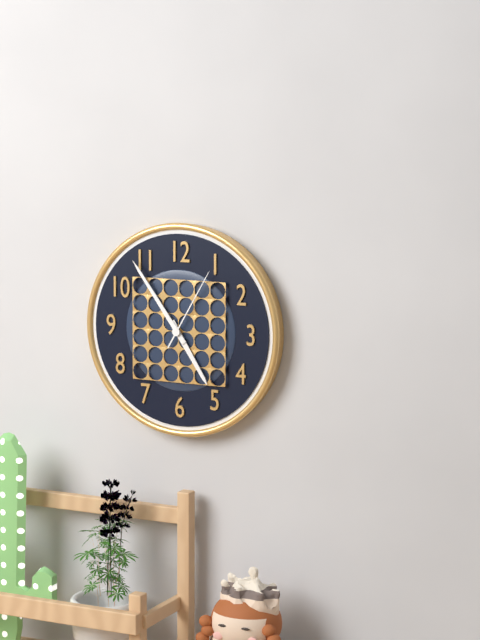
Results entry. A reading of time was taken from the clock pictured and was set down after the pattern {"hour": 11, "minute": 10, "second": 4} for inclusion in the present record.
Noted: {"hour": 4, "minute": 54, "second": 5}
